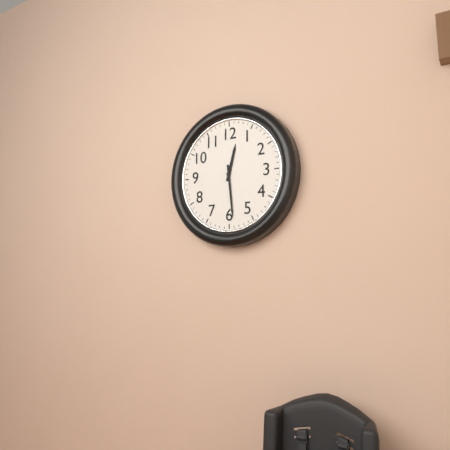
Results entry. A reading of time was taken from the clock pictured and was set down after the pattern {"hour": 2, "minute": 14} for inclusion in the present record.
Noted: {"hour": 12, "minute": 29}
